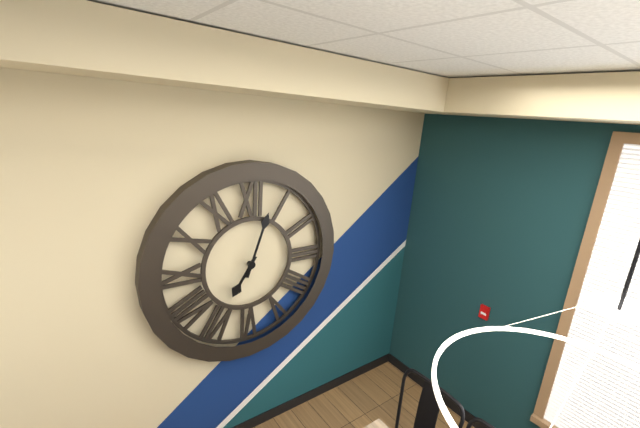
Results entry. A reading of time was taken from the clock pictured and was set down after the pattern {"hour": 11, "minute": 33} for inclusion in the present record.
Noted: {"hour": 7, "minute": 3}
